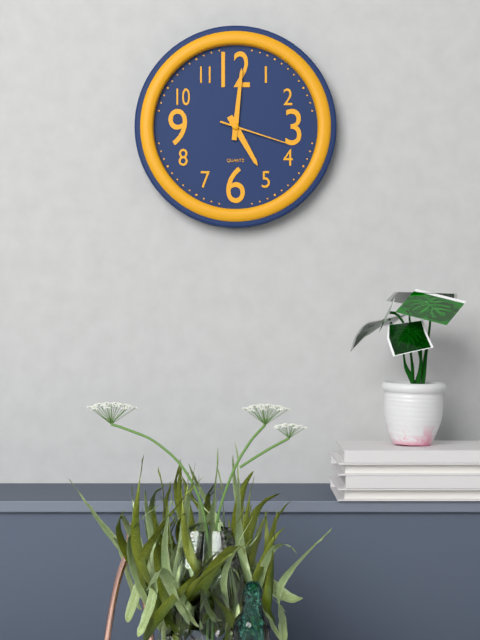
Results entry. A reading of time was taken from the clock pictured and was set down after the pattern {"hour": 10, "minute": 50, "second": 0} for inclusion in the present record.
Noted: {"hour": 5, "minute": 1, "second": 18}
